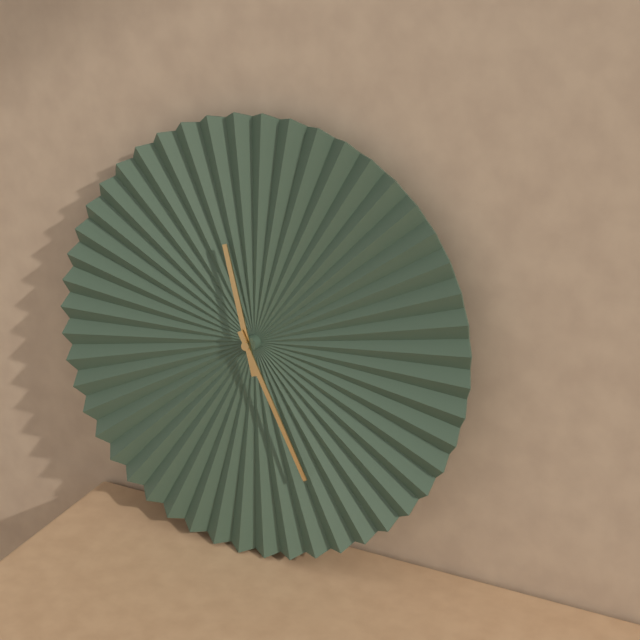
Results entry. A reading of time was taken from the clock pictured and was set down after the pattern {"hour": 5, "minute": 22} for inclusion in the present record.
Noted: {"hour": 11, "minute": 25}
